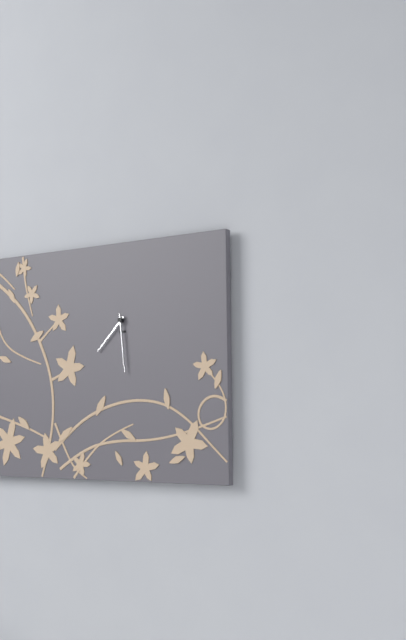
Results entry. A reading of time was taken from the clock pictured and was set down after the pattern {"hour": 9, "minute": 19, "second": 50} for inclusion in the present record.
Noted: {"hour": 7, "minute": 29, "second": 29}
